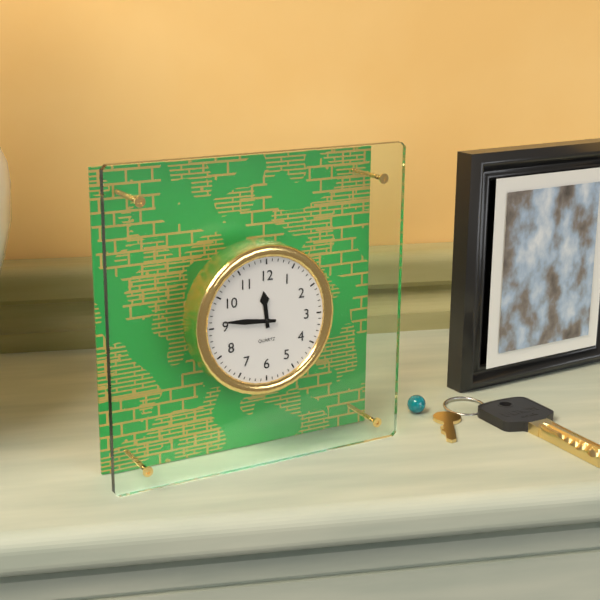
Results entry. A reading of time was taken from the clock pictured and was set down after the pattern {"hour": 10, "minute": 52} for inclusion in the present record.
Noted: {"hour": 11, "minute": 46}
